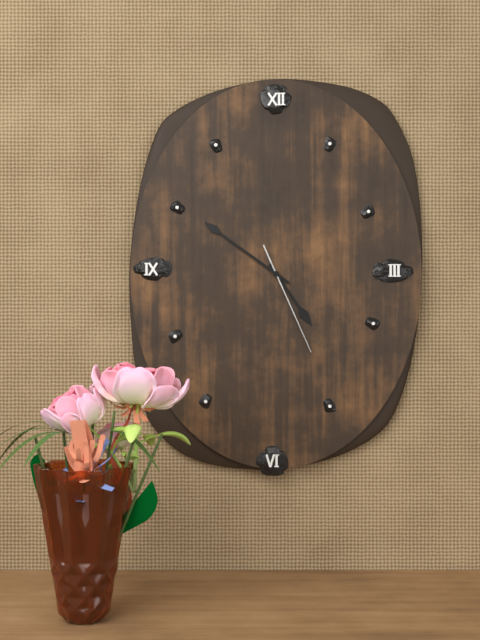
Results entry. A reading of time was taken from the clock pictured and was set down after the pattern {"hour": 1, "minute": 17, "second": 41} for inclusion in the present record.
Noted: {"hour": 4, "minute": 51, "second": 26}
